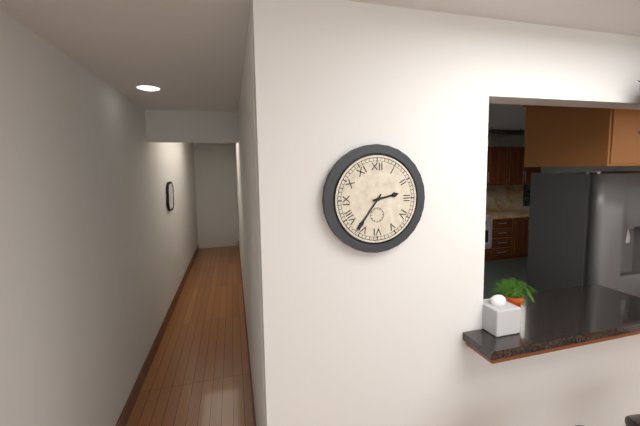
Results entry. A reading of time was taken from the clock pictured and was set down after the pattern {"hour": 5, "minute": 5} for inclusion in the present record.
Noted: {"hour": 2, "minute": 36}
